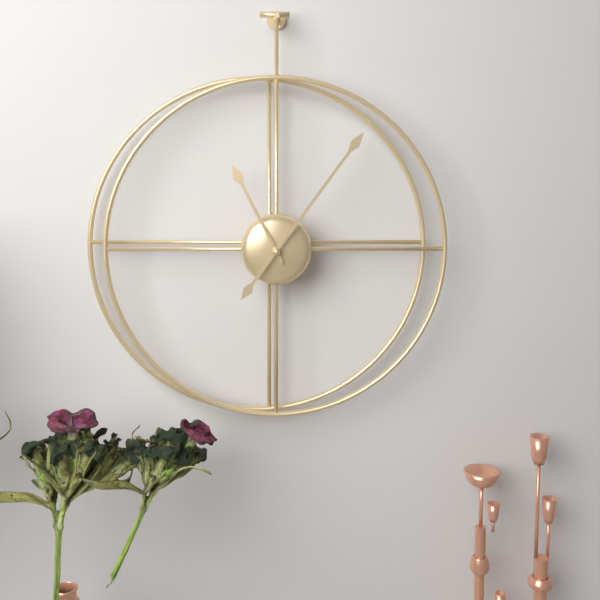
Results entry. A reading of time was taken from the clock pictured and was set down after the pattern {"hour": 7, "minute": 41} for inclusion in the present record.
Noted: {"hour": 11, "minute": 6}
